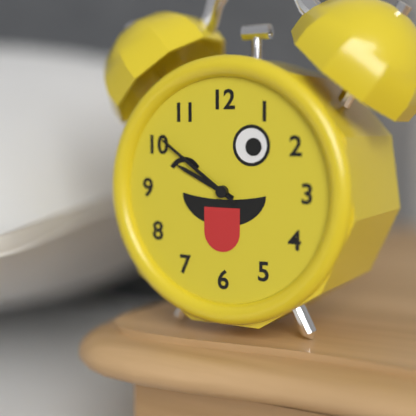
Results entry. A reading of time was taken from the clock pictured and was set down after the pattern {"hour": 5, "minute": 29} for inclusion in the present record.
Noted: {"hour": 9, "minute": 51}
